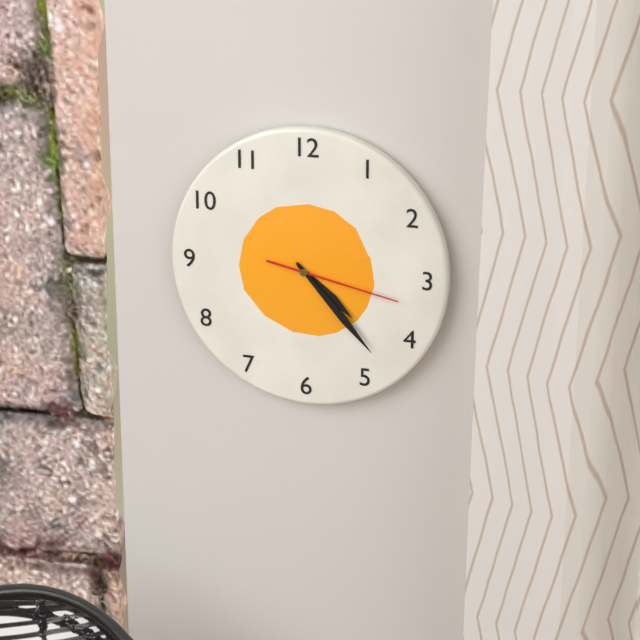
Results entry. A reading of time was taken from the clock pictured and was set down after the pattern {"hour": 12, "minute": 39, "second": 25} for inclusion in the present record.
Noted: {"hour": 4, "minute": 23, "second": 17}
